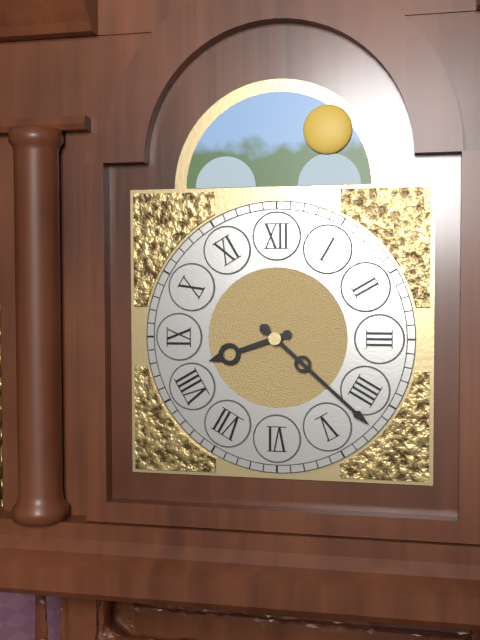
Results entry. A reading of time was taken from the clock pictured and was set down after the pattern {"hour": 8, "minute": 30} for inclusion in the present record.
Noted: {"hour": 8, "minute": 22}
